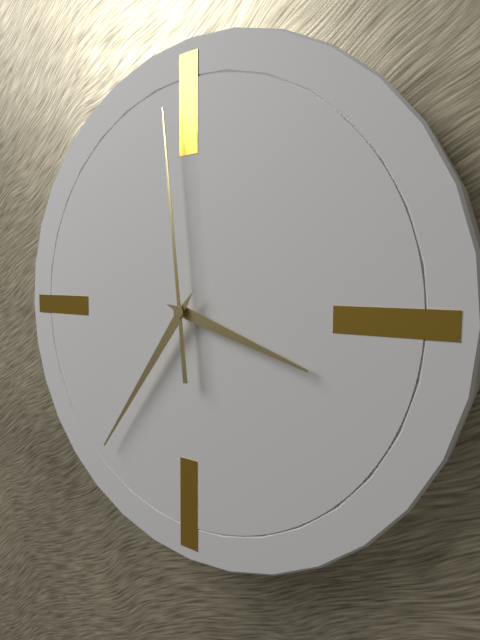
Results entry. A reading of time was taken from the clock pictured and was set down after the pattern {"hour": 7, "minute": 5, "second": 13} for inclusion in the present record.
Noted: {"hour": 3, "minute": 36, "second": 59}
